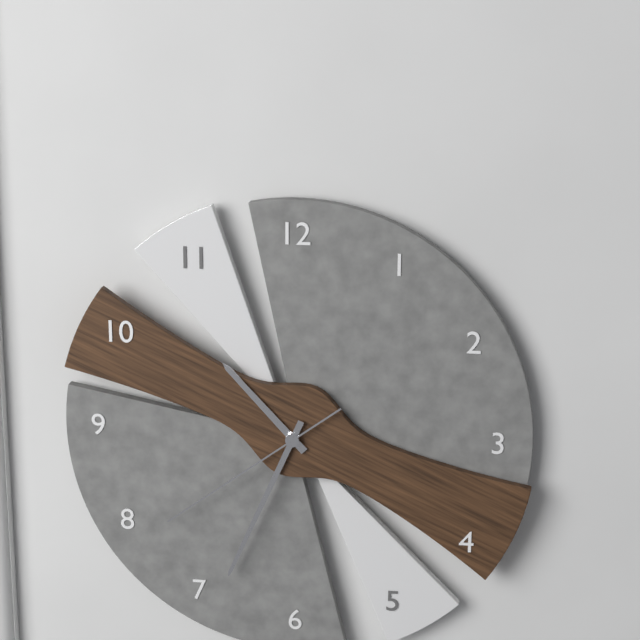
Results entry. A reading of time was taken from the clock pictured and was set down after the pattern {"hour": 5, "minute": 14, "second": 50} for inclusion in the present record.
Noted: {"hour": 10, "minute": 34, "second": 39}
